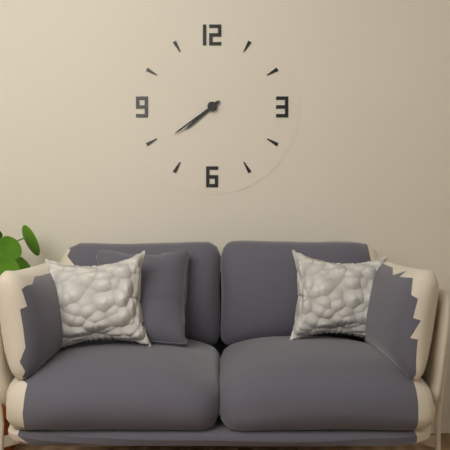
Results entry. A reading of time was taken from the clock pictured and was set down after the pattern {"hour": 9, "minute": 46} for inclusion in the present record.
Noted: {"hour": 7, "minute": 39}
